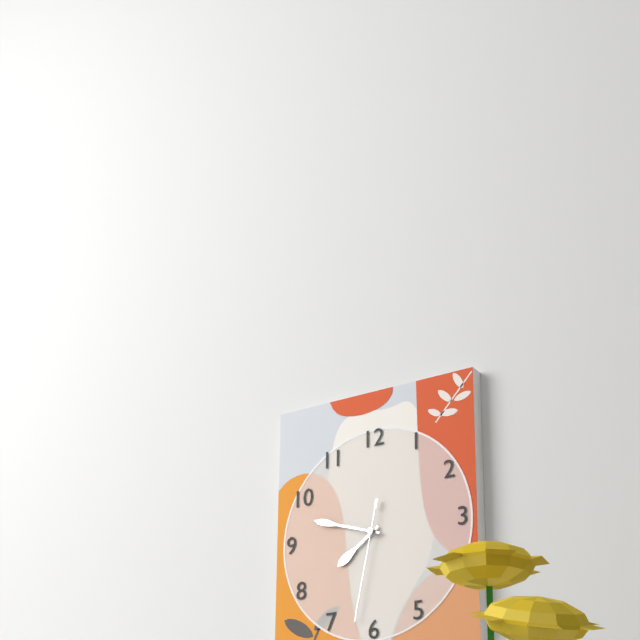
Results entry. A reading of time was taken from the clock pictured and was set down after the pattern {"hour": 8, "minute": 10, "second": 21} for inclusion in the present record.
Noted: {"hour": 7, "minute": 48, "second": 32}
